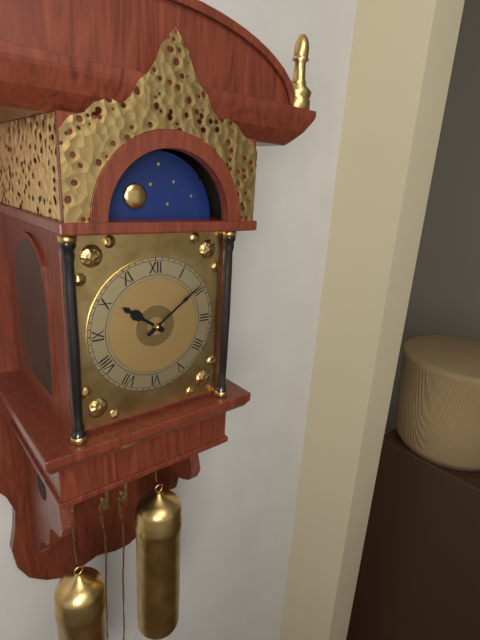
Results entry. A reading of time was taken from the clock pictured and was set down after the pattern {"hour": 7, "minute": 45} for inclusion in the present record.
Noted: {"hour": 10, "minute": 9}
